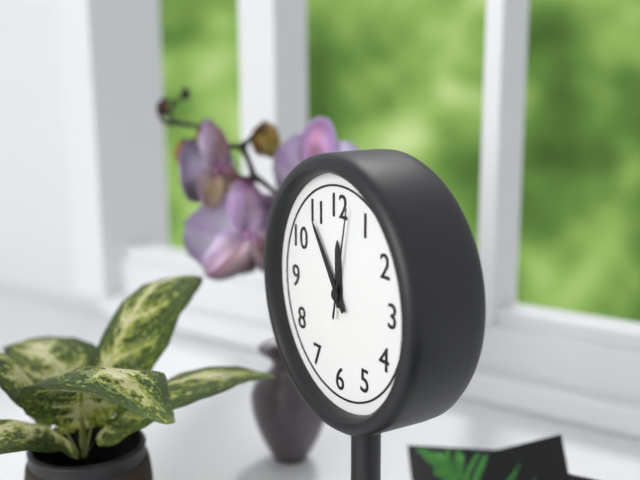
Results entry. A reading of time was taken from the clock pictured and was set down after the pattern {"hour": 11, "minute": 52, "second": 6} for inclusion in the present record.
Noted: {"hour": 11, "minute": 54, "second": 2}
